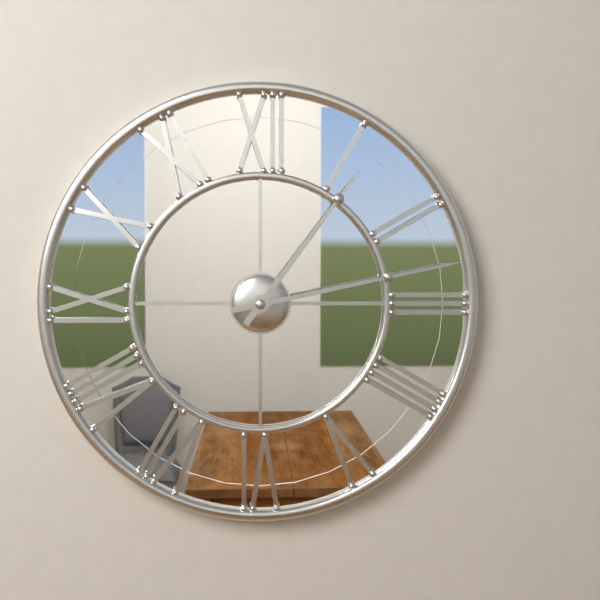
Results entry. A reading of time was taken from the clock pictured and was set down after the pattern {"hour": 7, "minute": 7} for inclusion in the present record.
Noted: {"hour": 1, "minute": 13}
